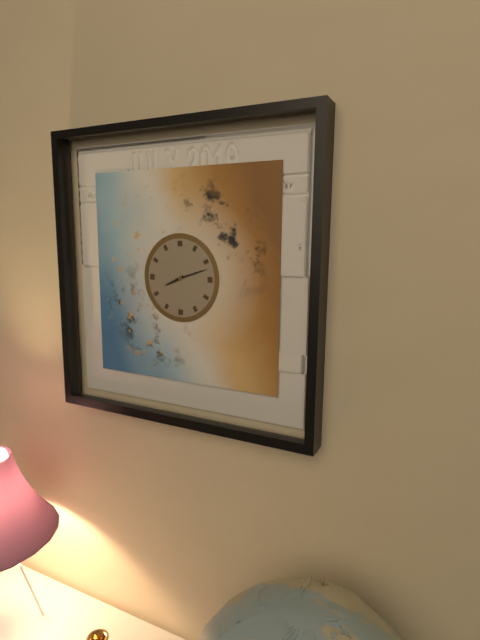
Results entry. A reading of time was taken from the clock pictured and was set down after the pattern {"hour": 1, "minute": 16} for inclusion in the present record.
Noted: {"hour": 8, "minute": 12}
